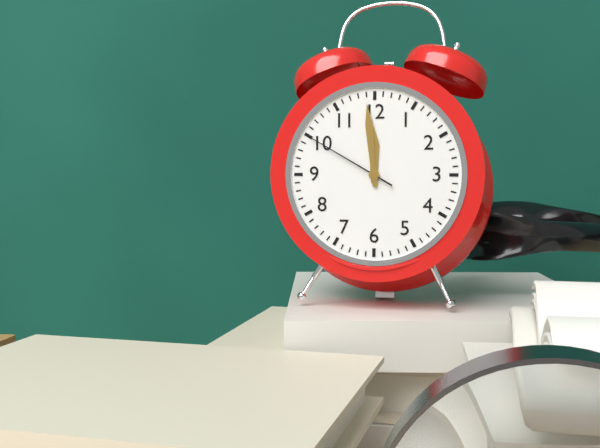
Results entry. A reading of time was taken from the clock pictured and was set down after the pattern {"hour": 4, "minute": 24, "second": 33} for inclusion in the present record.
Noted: {"hour": 11, "minute": 59, "second": 50}
